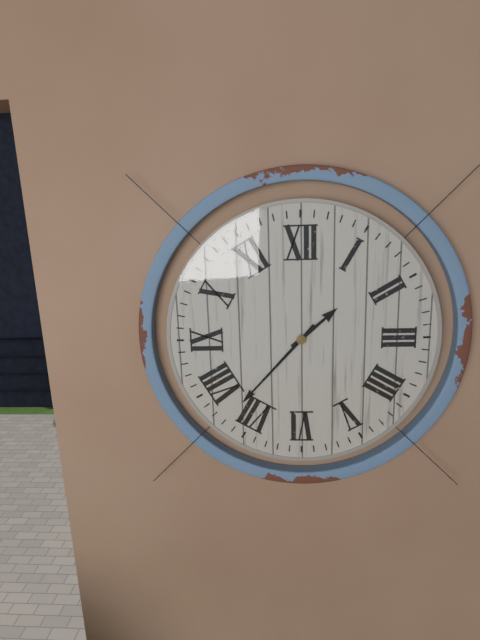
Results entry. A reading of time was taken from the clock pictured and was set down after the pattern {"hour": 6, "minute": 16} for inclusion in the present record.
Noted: {"hour": 1, "minute": 37}
